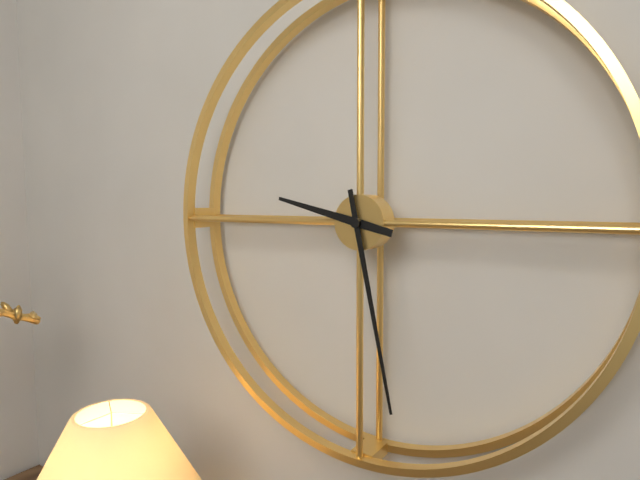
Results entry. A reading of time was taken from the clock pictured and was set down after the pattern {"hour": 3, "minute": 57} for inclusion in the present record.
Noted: {"hour": 9, "minute": 28}
